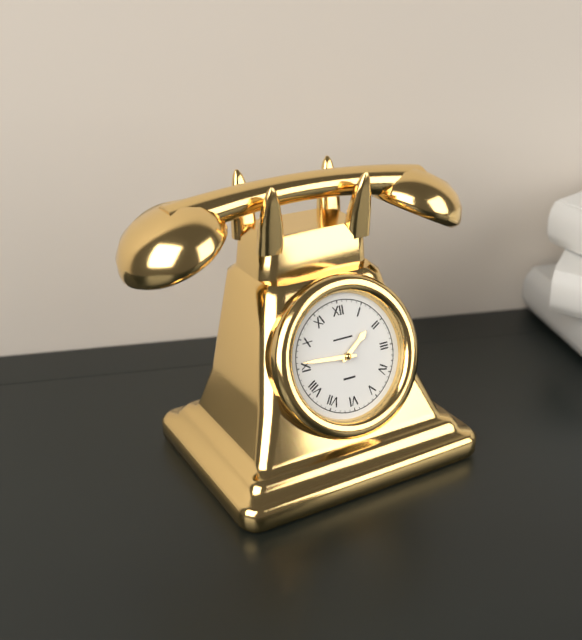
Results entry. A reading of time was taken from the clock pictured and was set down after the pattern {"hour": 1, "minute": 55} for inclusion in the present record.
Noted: {"hour": 1, "minute": 46}
